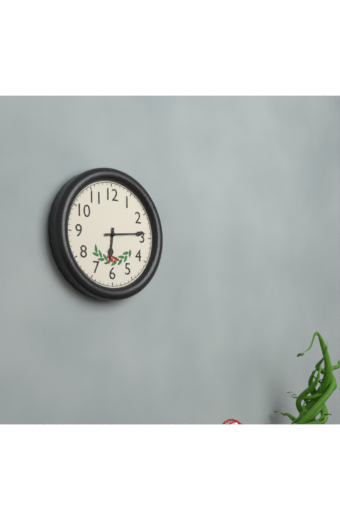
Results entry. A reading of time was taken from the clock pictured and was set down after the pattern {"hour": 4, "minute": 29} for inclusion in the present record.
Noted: {"hour": 6, "minute": 14}
